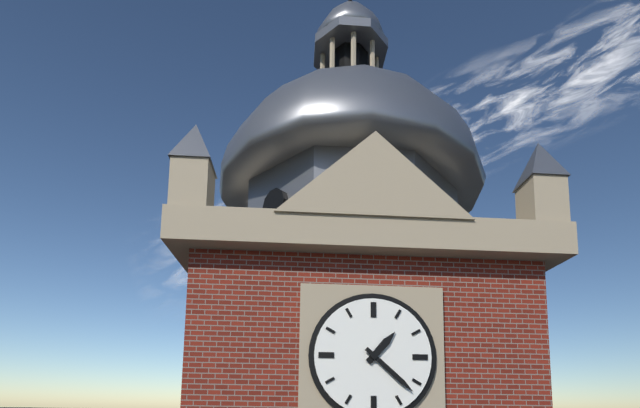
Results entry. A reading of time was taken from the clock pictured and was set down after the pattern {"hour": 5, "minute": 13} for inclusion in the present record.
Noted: {"hour": 1, "minute": 22}
